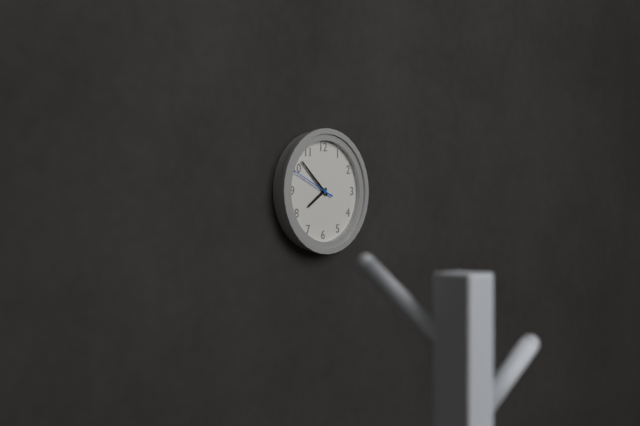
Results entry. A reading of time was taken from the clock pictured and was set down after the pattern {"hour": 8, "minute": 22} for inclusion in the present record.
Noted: {"hour": 7, "minute": 52}
